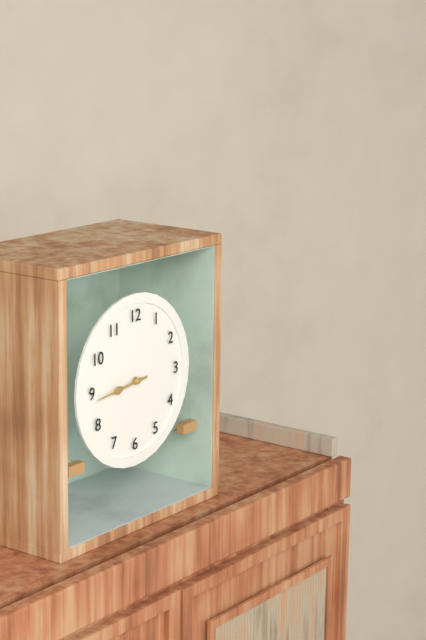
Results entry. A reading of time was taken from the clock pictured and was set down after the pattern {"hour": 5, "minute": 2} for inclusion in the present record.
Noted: {"hour": 8, "minute": 44}
